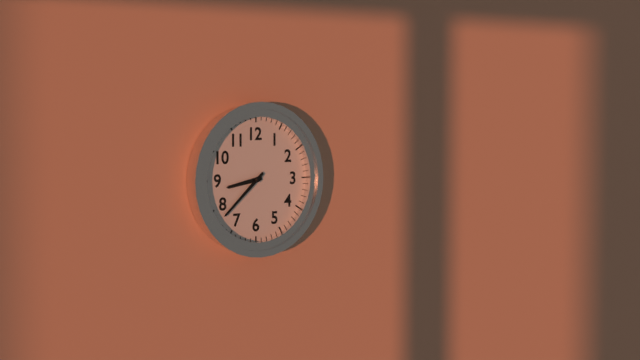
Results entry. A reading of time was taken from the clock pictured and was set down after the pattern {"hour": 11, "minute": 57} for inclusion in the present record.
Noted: {"hour": 8, "minute": 38}
